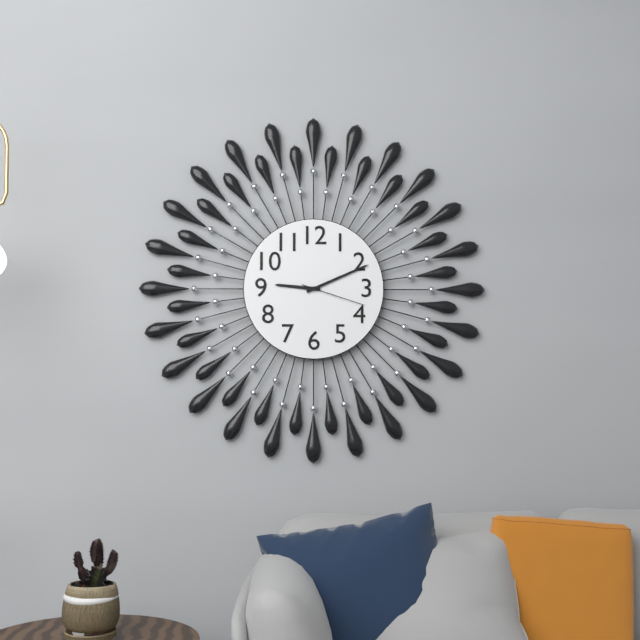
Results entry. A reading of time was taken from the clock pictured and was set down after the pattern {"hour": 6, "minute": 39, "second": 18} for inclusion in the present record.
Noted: {"hour": 9, "minute": 11, "second": 18}
